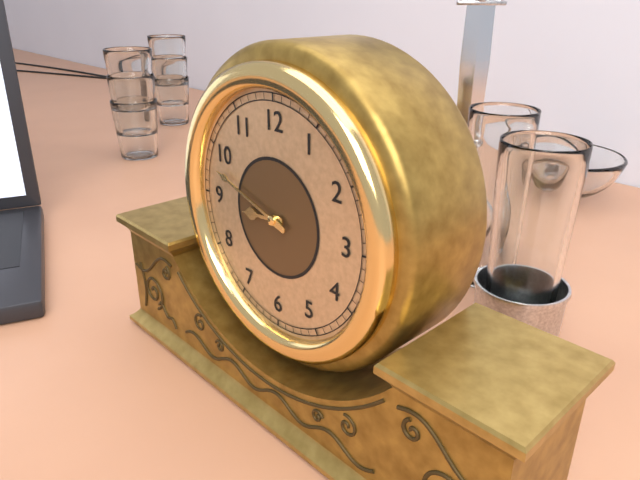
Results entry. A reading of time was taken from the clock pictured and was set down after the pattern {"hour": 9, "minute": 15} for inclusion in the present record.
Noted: {"hour": 8, "minute": 48}
